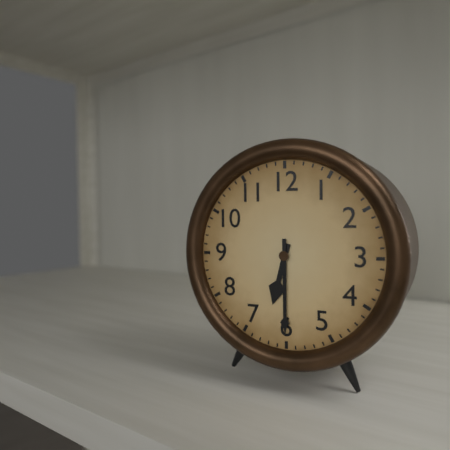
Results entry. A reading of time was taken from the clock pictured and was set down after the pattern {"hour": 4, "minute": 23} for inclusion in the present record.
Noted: {"hour": 6, "minute": 30}
